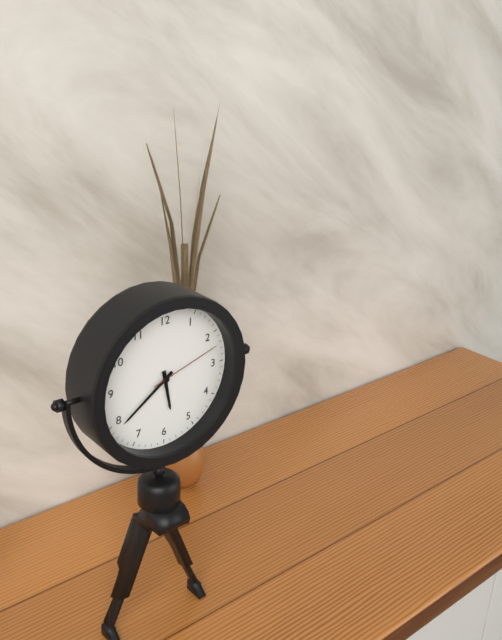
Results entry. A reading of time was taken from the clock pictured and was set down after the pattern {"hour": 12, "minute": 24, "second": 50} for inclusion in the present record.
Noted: {"hour": 5, "minute": 39, "second": 12}
